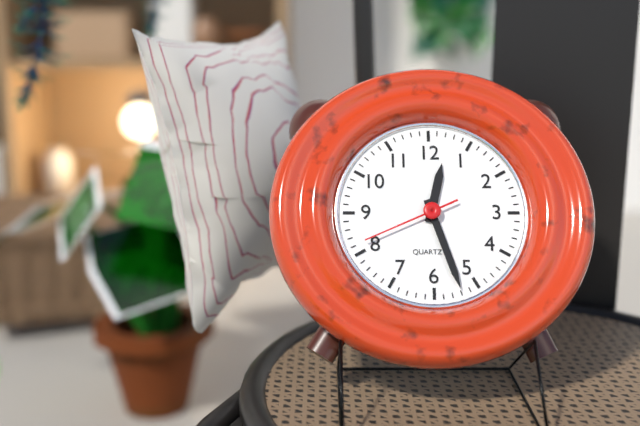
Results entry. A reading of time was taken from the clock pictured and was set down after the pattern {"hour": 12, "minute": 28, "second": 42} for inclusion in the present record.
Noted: {"hour": 12, "minute": 27, "second": 41}
